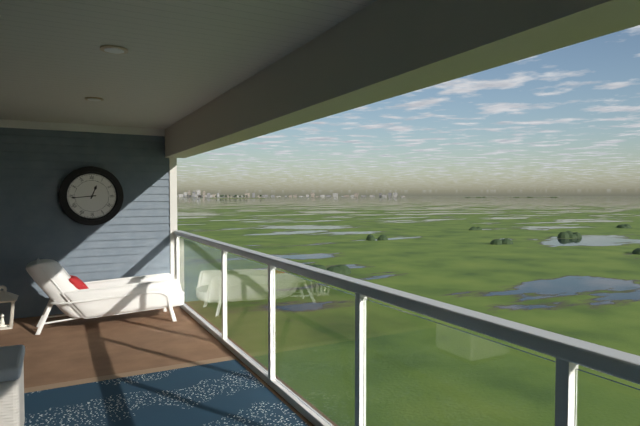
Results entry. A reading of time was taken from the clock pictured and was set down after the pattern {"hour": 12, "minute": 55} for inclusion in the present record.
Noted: {"hour": 12, "minute": 44}
